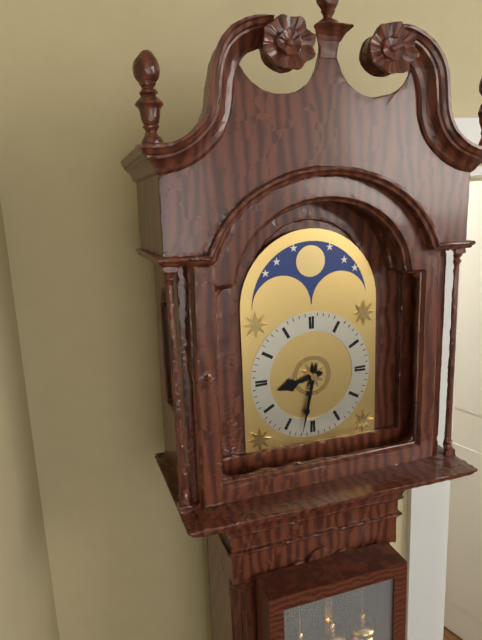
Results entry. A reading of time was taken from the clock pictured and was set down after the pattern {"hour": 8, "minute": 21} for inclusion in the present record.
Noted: {"hour": 8, "minute": 32}
